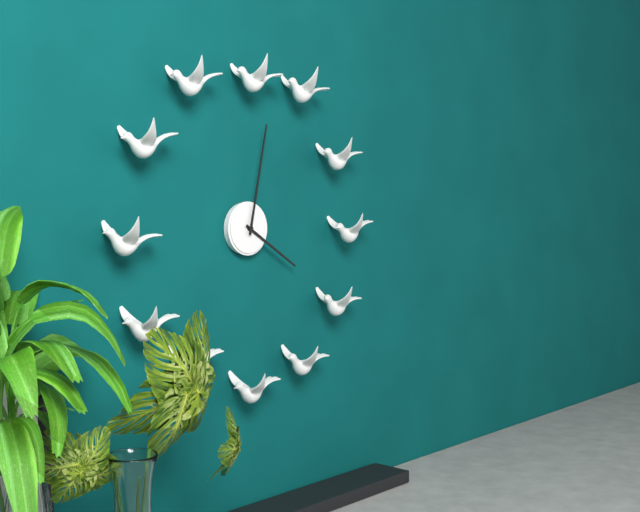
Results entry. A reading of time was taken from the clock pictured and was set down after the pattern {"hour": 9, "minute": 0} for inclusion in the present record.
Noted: {"hour": 4, "minute": 2}
